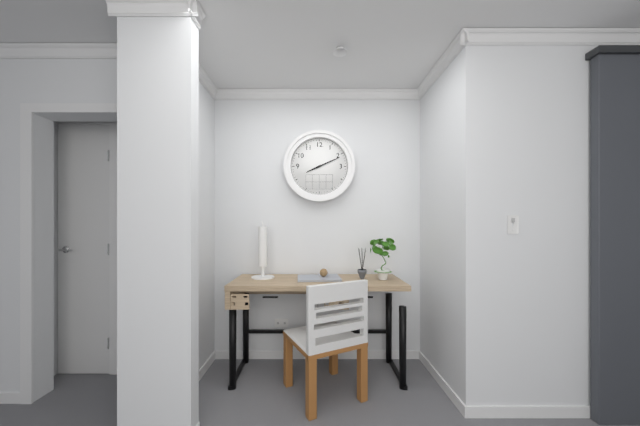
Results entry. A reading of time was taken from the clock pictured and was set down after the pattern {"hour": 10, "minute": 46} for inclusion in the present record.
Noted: {"hour": 8, "minute": 11}
